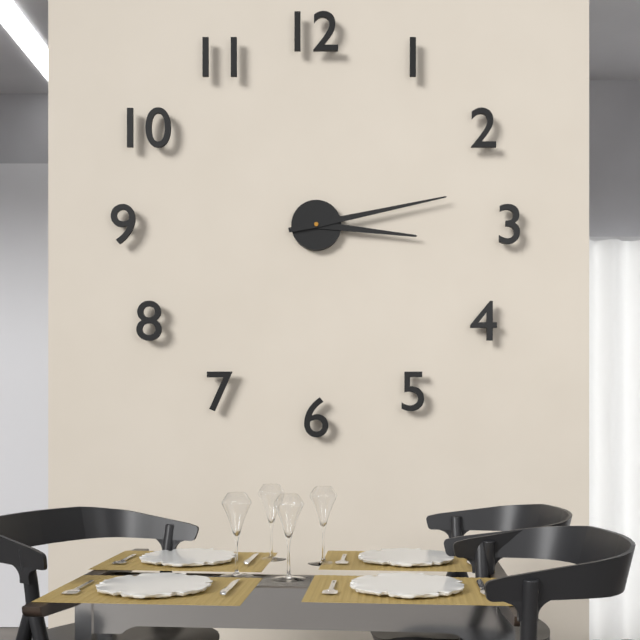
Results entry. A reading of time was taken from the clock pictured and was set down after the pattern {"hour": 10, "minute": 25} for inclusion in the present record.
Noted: {"hour": 3, "minute": 13}
